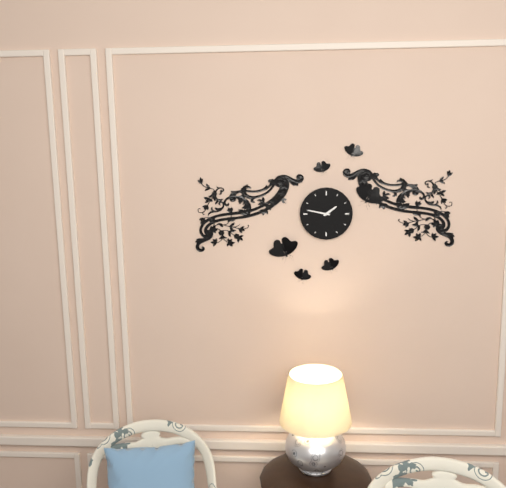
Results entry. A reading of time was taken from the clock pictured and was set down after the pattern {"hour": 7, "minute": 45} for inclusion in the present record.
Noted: {"hour": 1, "minute": 47}
